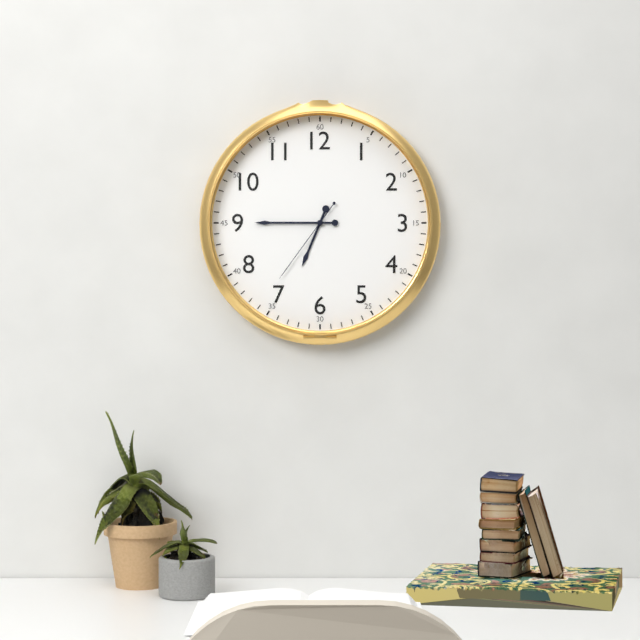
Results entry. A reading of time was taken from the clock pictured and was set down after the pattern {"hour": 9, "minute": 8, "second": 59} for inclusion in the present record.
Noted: {"hour": 6, "minute": 45, "second": 36}
